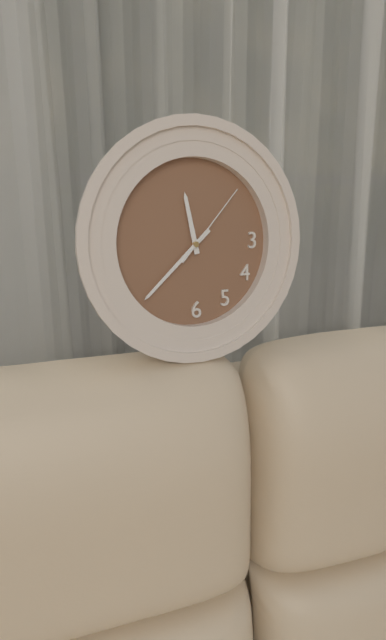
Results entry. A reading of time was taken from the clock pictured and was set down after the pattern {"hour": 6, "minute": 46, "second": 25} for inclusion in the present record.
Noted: {"hour": 11, "minute": 38, "second": 7}
